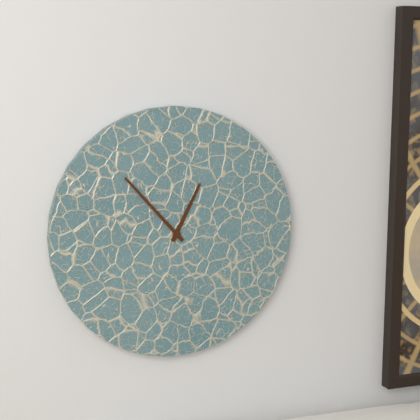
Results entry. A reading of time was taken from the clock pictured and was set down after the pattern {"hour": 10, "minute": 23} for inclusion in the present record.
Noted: {"hour": 12, "minute": 53}
